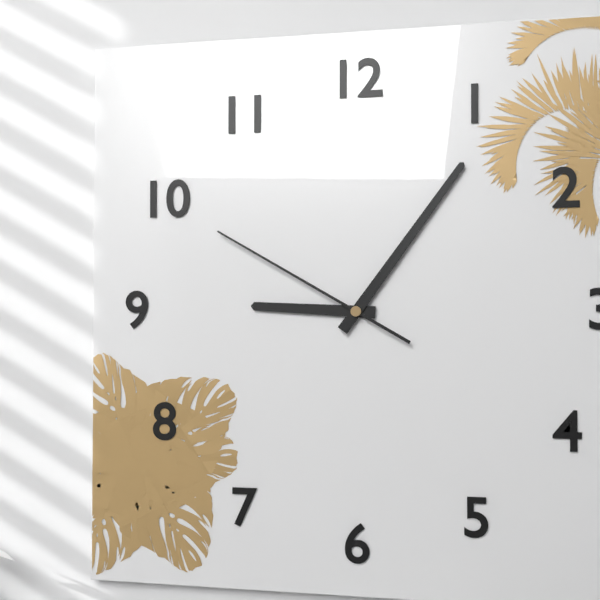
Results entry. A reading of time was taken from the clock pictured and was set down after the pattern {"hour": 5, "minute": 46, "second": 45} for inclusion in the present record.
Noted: {"hour": 9, "minute": 6, "second": 50}
